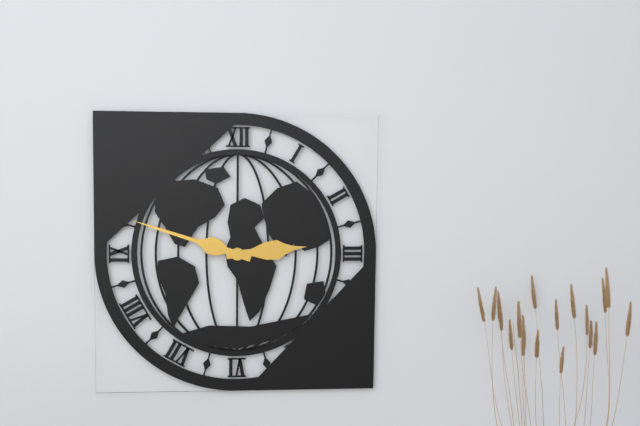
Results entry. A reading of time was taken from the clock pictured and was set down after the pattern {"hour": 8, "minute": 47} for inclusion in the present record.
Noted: {"hour": 2, "minute": 48}
